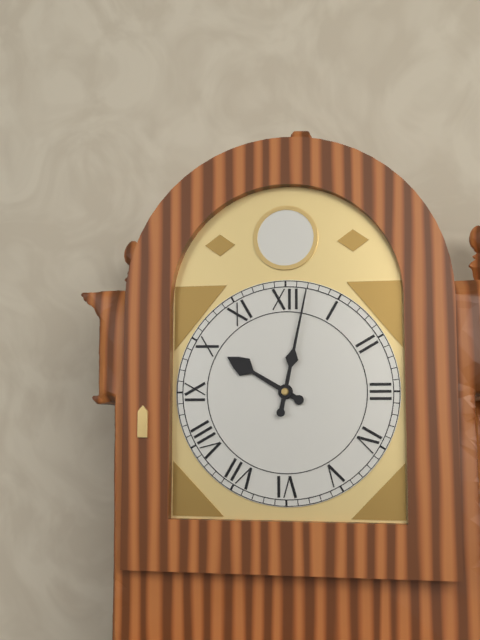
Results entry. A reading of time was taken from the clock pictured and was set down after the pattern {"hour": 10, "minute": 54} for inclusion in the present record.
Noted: {"hour": 10, "minute": 2}
